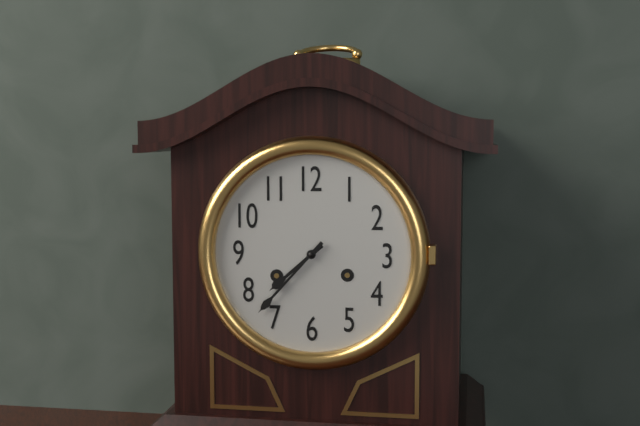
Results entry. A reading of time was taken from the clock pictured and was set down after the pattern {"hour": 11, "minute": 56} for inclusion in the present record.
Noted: {"hour": 7, "minute": 37}
